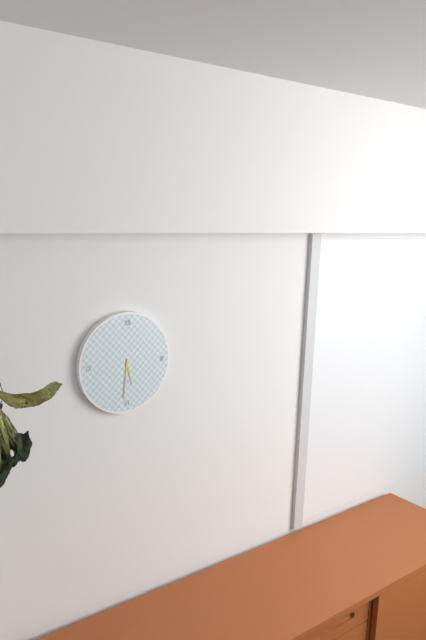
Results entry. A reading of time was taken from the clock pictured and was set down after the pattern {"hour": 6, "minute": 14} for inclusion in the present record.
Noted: {"hour": 5, "minute": 31}
